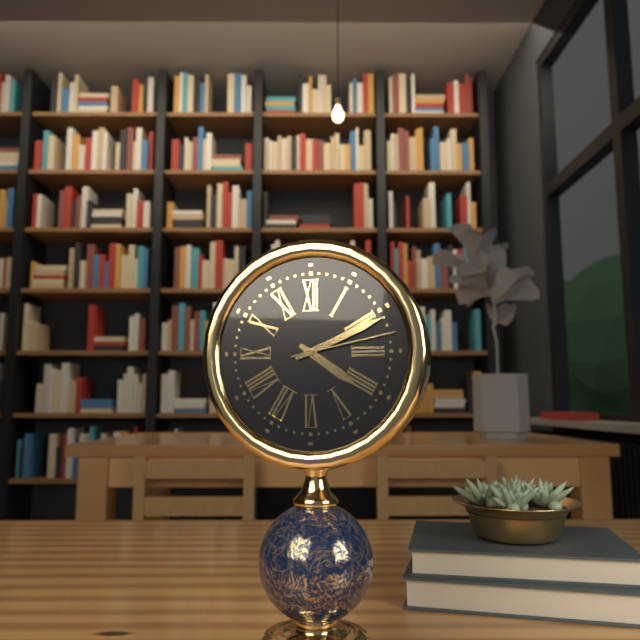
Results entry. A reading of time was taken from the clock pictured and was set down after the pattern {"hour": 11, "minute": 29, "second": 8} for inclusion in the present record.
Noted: {"hour": 4, "minute": 11, "second": 13}
